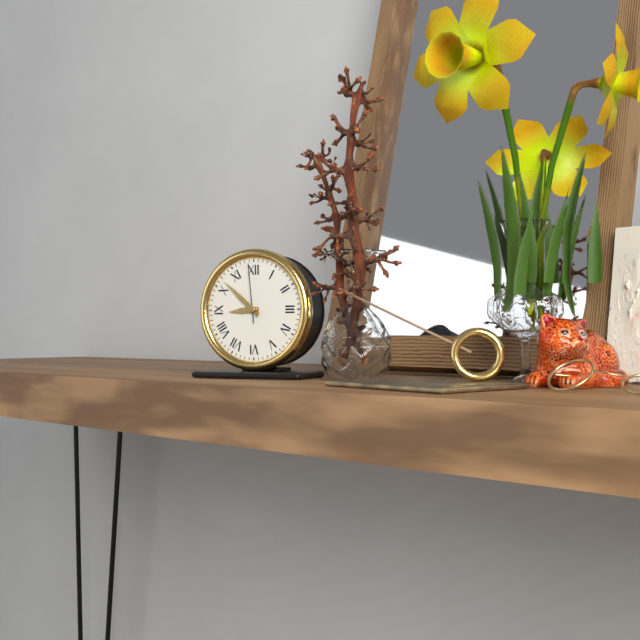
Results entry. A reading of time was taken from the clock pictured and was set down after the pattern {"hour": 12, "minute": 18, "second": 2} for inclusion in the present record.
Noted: {"hour": 8, "minute": 52, "second": 59}
